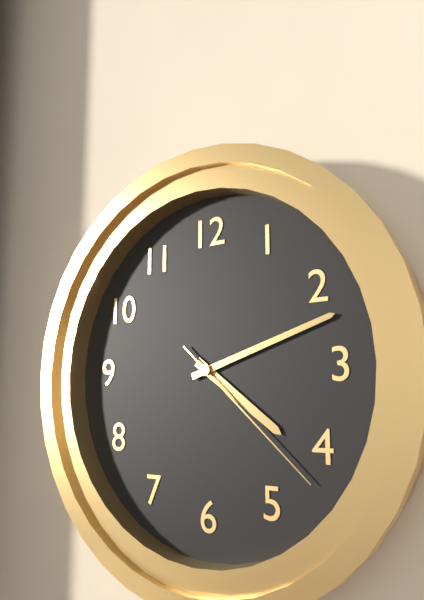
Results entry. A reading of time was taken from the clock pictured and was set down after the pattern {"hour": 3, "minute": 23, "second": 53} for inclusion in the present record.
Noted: {"hour": 4, "minute": 12, "second": 22}
